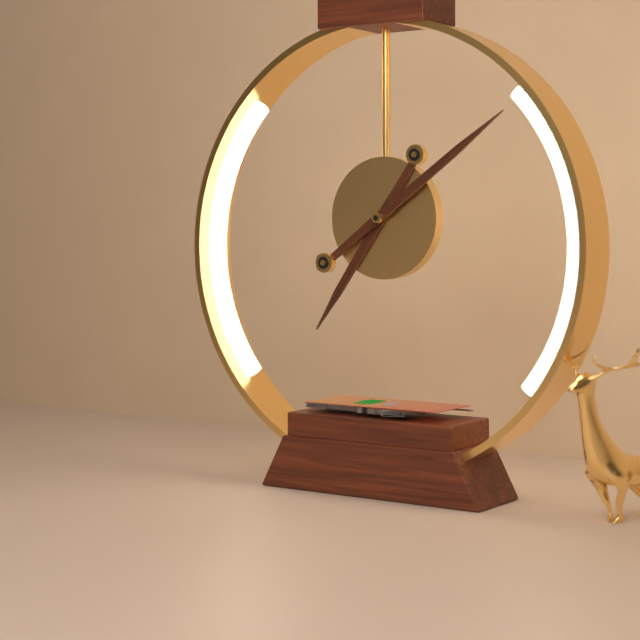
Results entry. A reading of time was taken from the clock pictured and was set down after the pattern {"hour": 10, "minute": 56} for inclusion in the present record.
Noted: {"hour": 7, "minute": 9}
